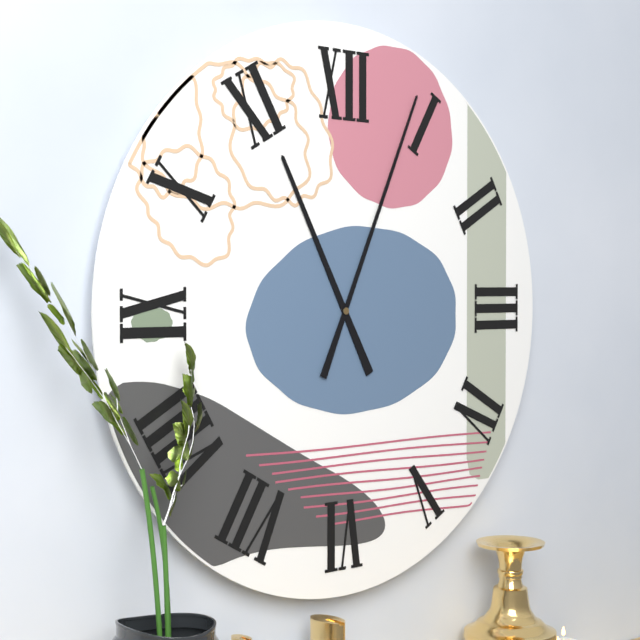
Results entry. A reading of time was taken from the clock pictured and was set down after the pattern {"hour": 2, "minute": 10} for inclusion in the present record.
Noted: {"hour": 11, "minute": 4}
